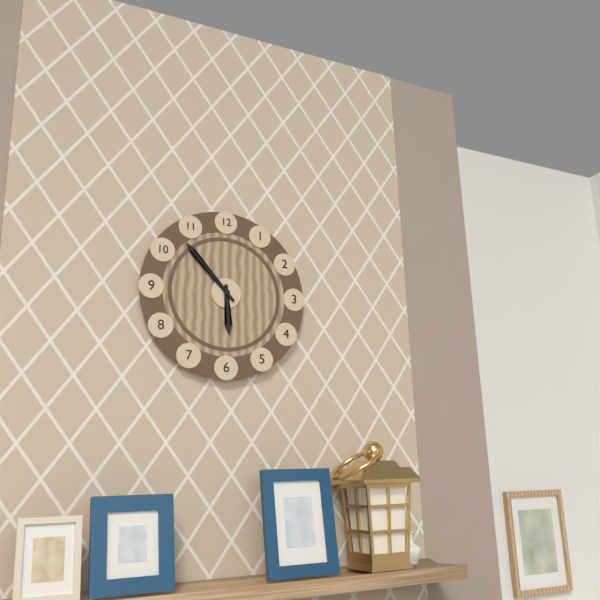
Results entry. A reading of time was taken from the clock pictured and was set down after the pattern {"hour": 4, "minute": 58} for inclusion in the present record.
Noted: {"hour": 5, "minute": 53}
